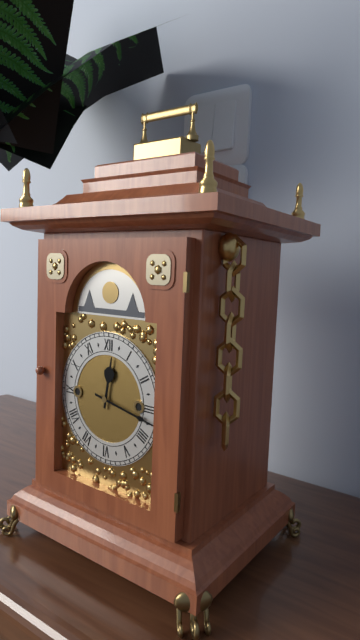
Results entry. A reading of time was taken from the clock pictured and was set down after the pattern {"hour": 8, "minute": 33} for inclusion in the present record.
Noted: {"hour": 12, "minute": 17}
